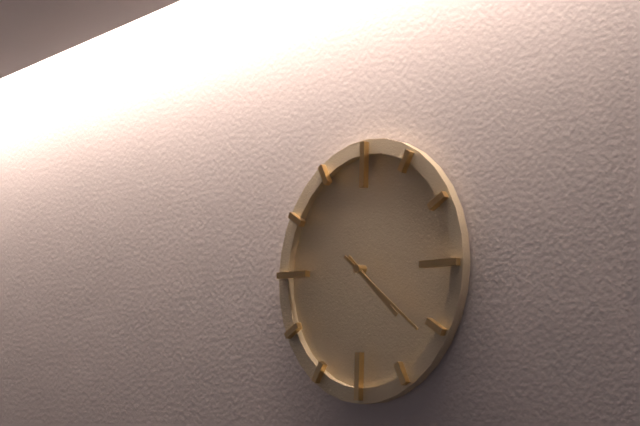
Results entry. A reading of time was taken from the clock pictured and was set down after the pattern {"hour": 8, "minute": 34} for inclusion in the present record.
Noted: {"hour": 4, "minute": 21}
